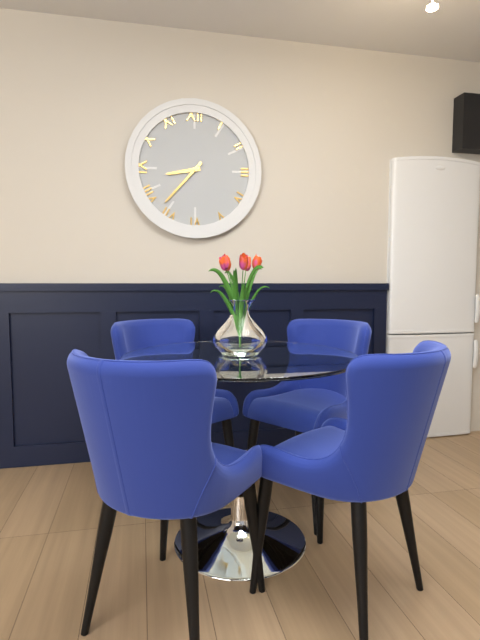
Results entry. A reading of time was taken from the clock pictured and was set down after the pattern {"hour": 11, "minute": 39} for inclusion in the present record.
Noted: {"hour": 8, "minute": 37}
